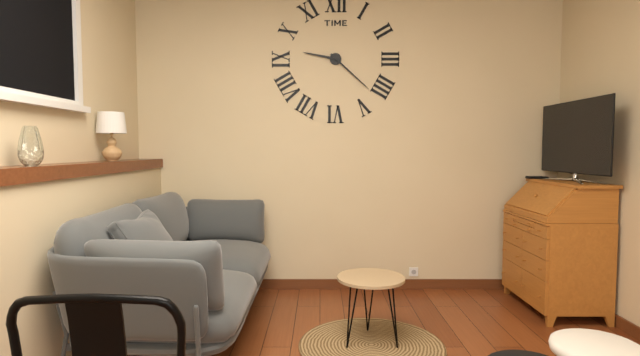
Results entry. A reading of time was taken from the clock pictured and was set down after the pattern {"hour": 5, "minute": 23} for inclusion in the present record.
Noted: {"hour": 9, "minute": 22}
